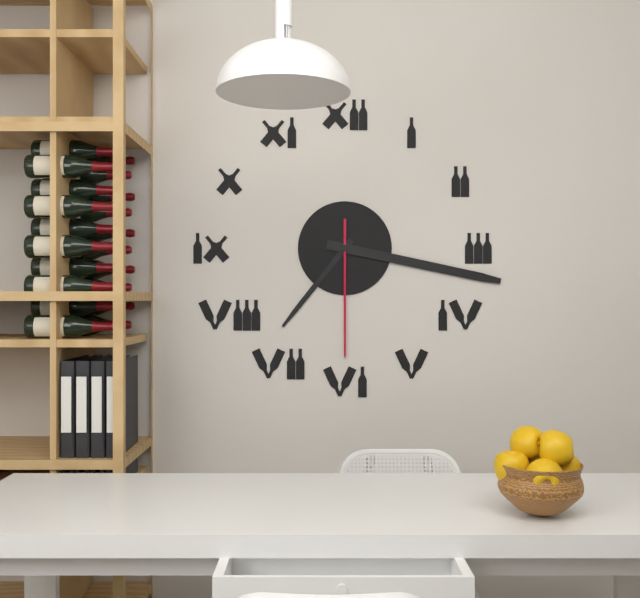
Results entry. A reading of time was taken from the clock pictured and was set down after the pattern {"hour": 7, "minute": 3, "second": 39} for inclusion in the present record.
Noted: {"hour": 7, "minute": 17, "second": 30}
